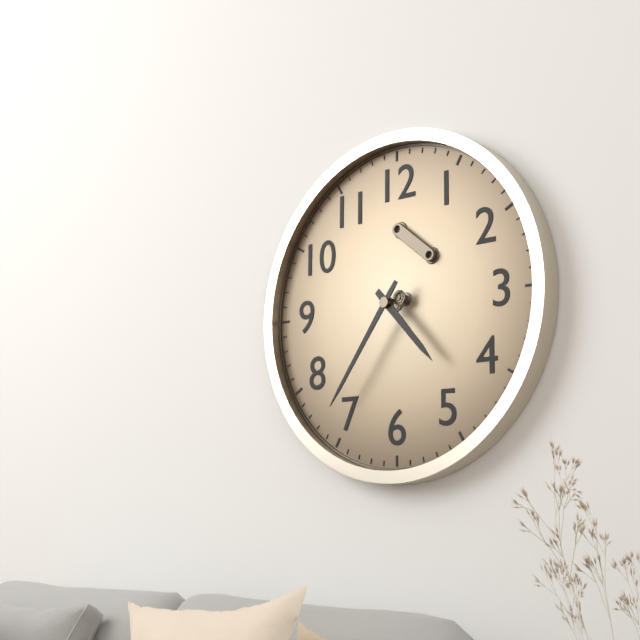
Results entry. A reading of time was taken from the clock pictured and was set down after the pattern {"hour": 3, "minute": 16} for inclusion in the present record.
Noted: {"hour": 4, "minute": 36}
